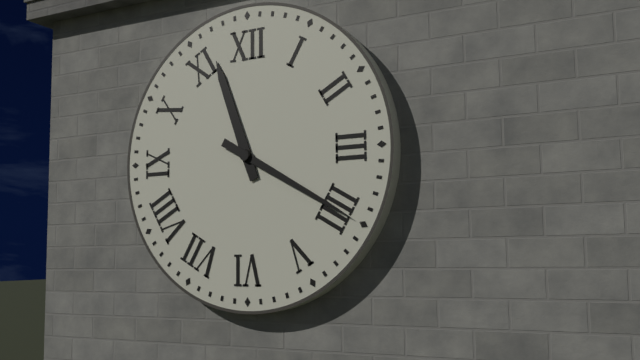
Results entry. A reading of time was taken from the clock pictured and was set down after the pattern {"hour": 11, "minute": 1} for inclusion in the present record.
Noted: {"hour": 11, "minute": 20}
